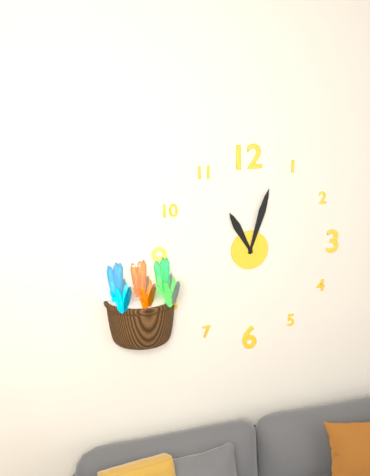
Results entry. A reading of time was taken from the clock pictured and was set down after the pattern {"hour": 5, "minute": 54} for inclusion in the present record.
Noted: {"hour": 11, "minute": 3}
